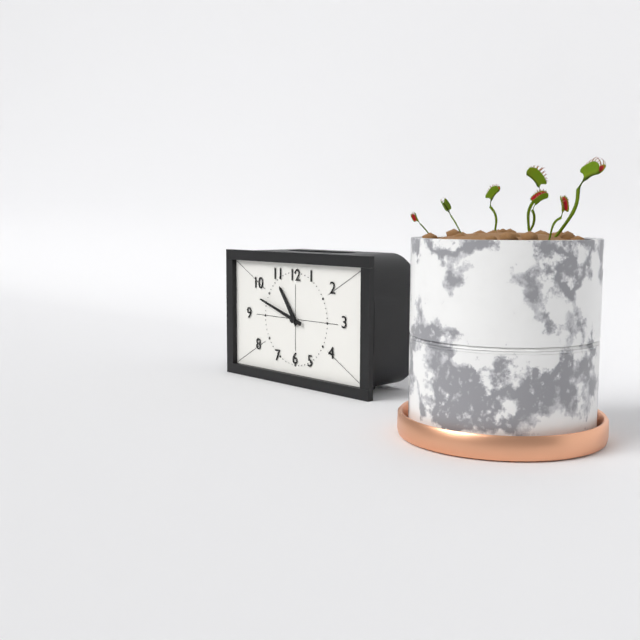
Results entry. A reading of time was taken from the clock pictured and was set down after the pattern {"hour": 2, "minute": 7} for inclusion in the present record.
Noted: {"hour": 10, "minute": 48}
